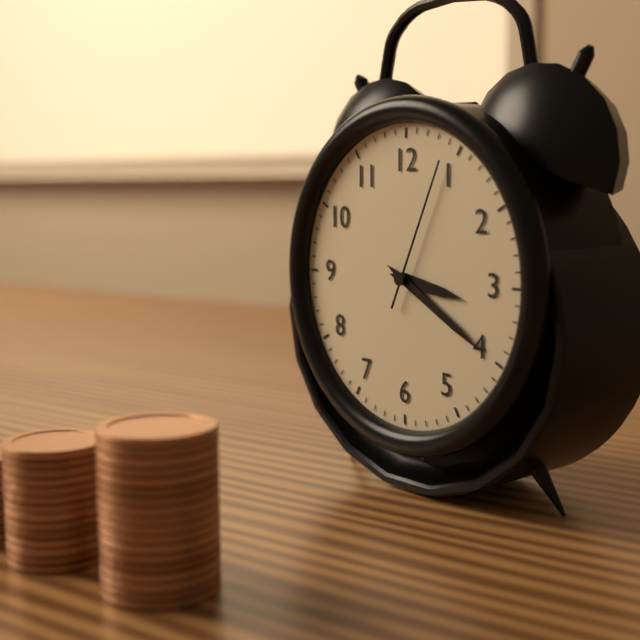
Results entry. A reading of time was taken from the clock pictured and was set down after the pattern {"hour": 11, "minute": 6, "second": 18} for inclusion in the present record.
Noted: {"hour": 3, "minute": 20, "second": 4}
